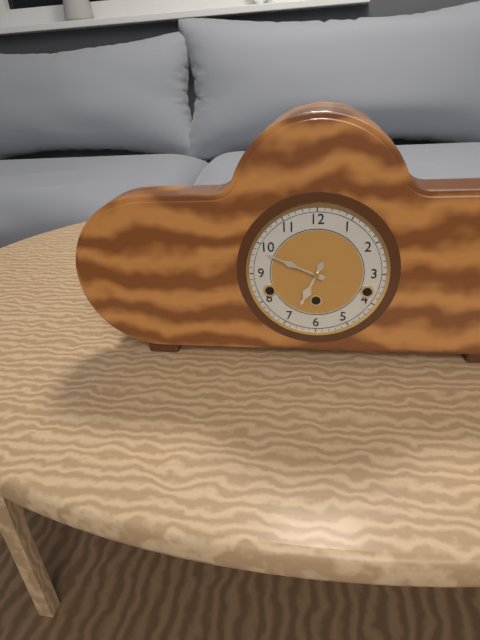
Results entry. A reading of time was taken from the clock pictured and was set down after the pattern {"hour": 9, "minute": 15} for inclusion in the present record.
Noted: {"hour": 6, "minute": 49}
